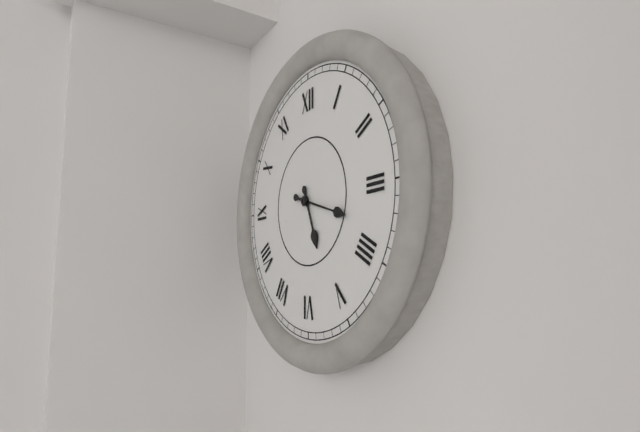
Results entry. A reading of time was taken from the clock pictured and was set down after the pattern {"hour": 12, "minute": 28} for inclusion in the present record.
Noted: {"hour": 5, "minute": 18}
